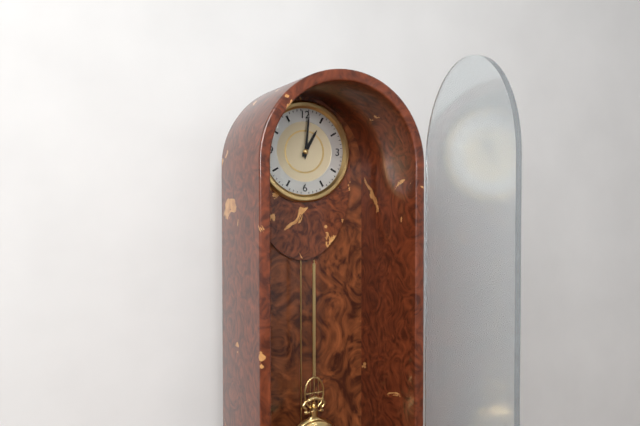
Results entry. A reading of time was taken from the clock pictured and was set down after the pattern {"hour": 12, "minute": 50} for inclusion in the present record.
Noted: {"hour": 1, "minute": 1}
